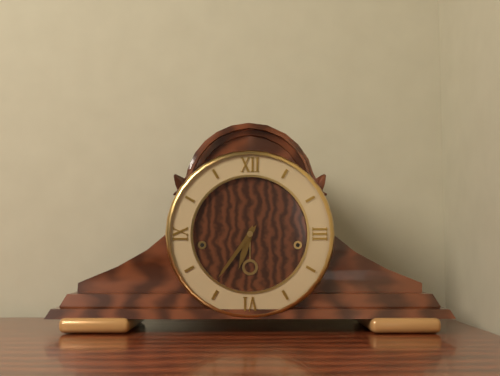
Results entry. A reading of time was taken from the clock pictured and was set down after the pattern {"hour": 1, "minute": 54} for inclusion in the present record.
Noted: {"hour": 6, "minute": 36}
